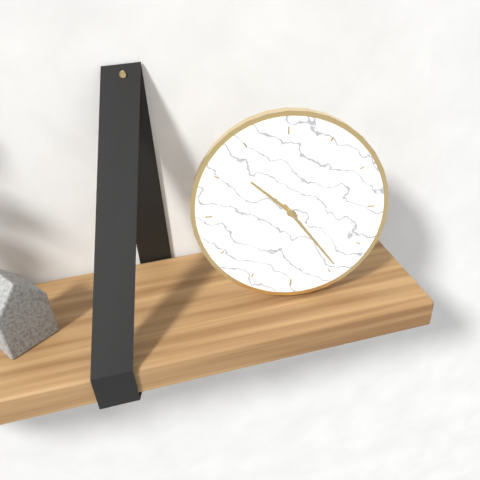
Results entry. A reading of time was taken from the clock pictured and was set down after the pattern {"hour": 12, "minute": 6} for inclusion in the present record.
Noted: {"hour": 10, "minute": 24}
